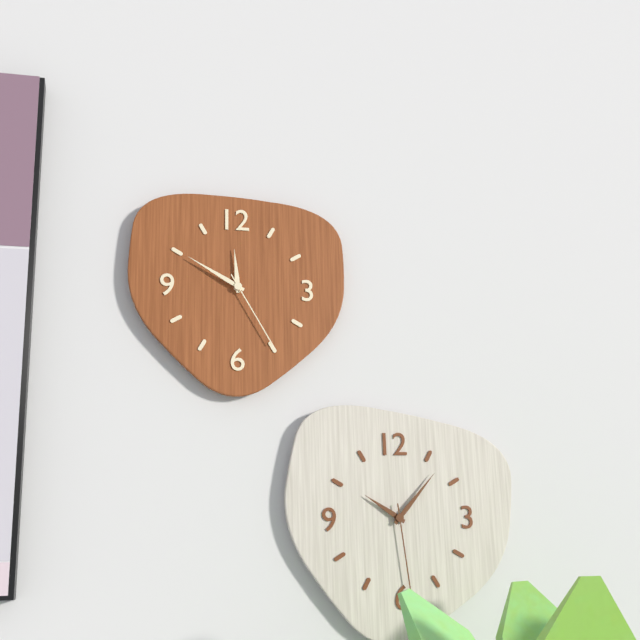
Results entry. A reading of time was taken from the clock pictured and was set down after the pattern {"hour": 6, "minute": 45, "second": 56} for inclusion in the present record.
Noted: {"hour": 11, "minute": 50, "second": 25}
